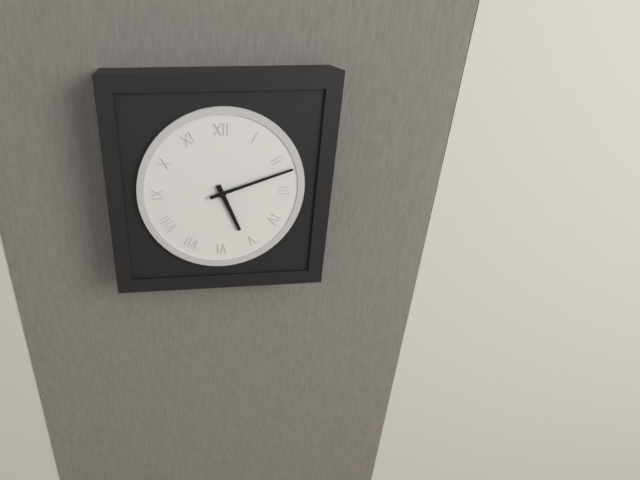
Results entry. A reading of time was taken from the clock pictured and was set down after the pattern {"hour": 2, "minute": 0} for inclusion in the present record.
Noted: {"hour": 5, "minute": 12}
